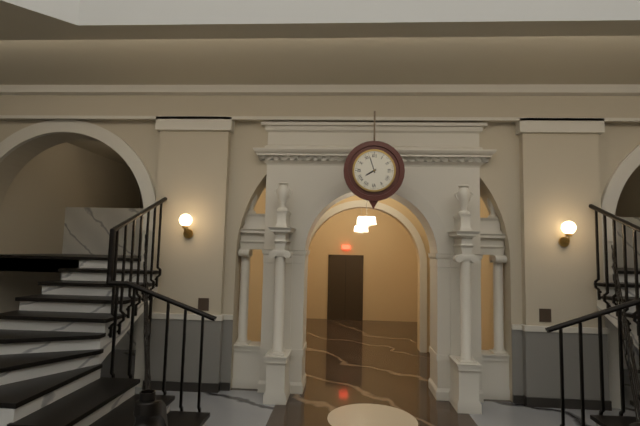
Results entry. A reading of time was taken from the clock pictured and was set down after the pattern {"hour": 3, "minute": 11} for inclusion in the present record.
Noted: {"hour": 7, "minute": 57}
